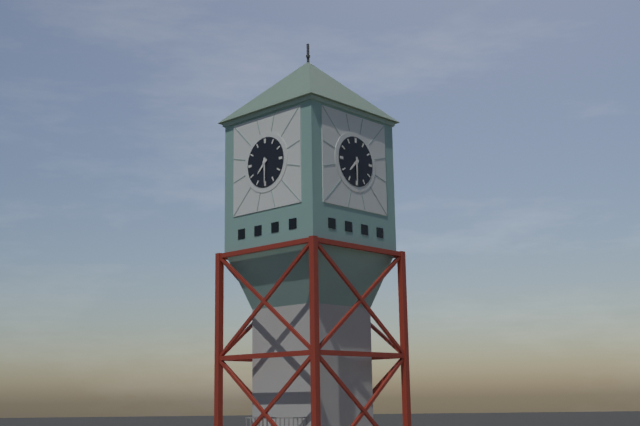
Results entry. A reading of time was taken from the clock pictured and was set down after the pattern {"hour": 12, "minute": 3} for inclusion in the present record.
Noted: {"hour": 7, "minute": 30}
